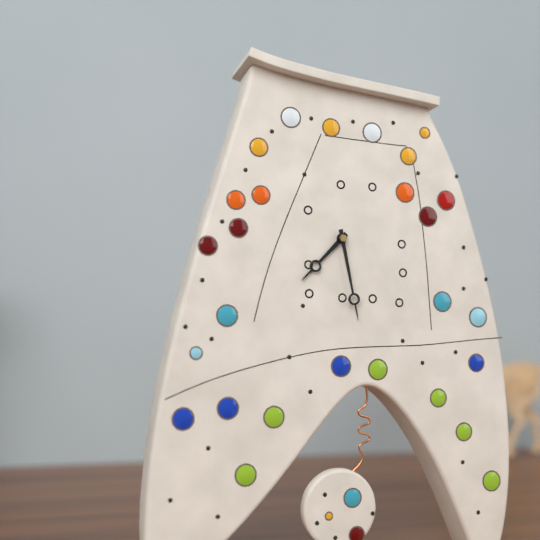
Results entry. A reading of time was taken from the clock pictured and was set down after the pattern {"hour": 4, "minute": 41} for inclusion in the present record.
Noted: {"hour": 7, "minute": 28}
